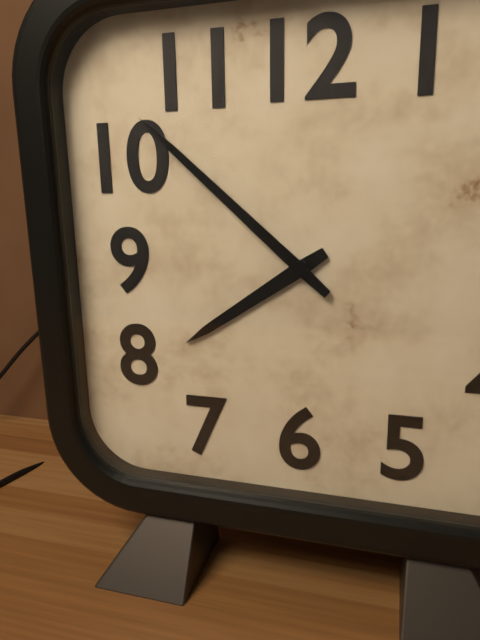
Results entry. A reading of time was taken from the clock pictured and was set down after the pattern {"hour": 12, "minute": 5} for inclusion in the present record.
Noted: {"hour": 7, "minute": 52}
